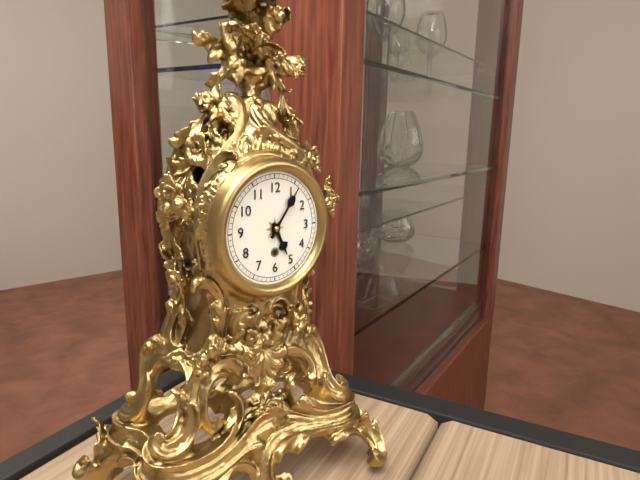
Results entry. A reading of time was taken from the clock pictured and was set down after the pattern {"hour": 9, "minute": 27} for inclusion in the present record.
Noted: {"hour": 5, "minute": 6}
